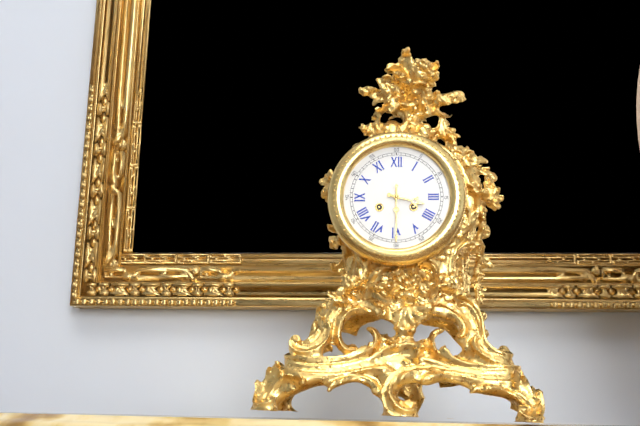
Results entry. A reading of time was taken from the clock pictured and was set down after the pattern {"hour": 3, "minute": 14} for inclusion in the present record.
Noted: {"hour": 3, "minute": 30}
